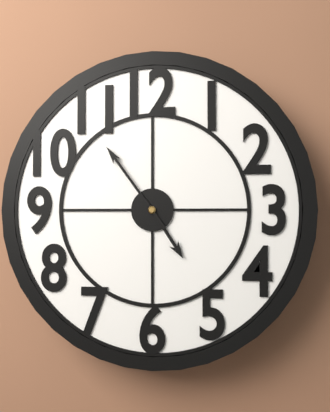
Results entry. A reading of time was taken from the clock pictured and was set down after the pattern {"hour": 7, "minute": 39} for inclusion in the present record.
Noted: {"hour": 4, "minute": 54}
